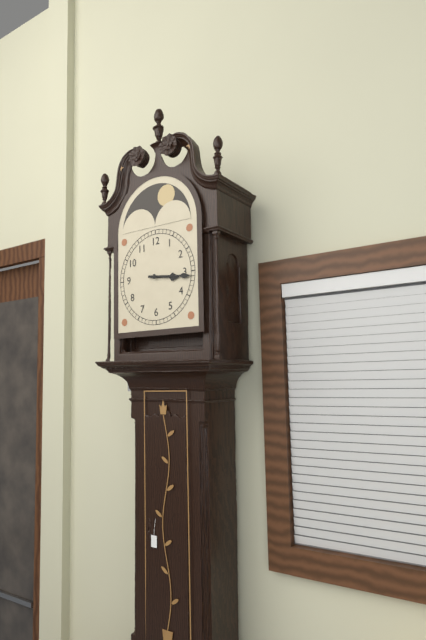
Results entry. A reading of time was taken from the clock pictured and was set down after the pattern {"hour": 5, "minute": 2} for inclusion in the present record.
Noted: {"hour": 3, "minute": 16}
